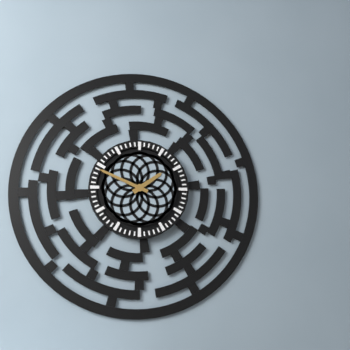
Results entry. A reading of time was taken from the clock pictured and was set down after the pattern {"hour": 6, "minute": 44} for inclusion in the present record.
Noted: {"hour": 1, "minute": 49}
